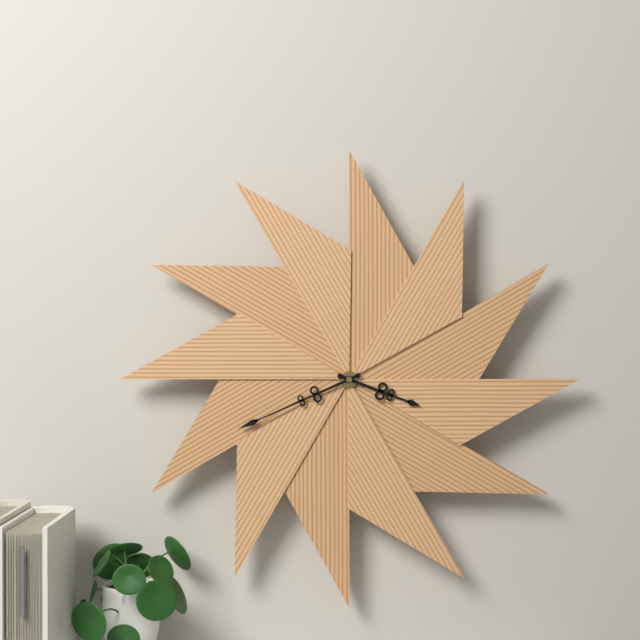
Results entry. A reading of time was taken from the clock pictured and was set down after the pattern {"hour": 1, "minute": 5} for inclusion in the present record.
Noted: {"hour": 3, "minute": 41}
